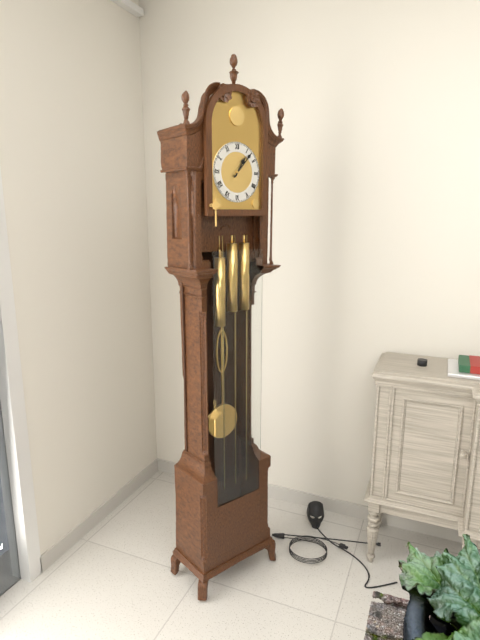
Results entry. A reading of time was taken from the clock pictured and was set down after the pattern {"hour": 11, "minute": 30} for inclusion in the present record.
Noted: {"hour": 1, "minute": 7}
